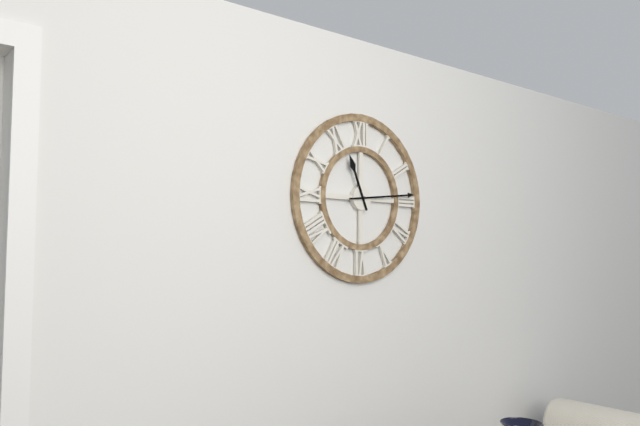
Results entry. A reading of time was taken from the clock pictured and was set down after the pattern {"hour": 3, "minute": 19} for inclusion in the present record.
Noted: {"hour": 11, "minute": 14}
